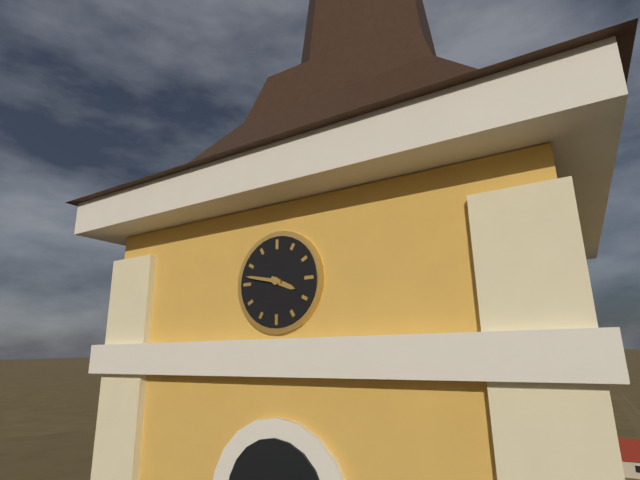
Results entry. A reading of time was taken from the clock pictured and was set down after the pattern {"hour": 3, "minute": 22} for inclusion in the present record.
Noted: {"hour": 3, "minute": 47}
